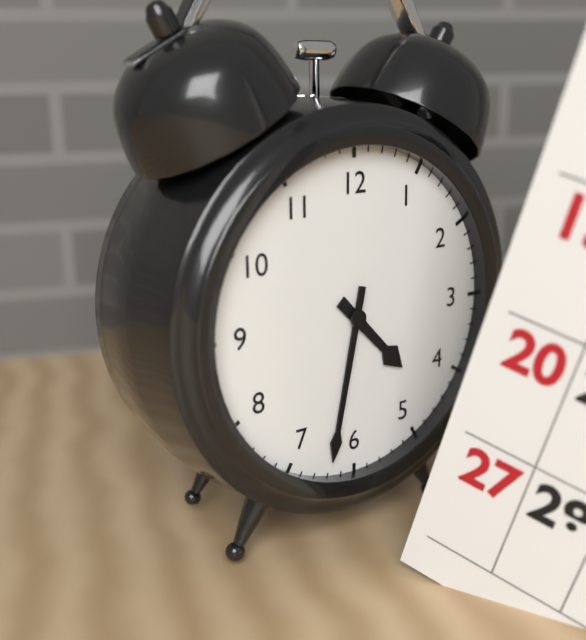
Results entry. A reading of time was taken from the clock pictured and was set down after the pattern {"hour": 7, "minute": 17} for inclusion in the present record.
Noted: {"hour": 4, "minute": 32}
